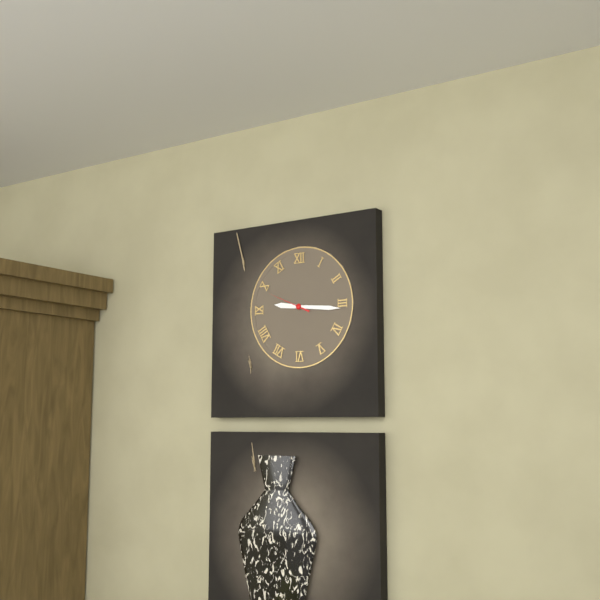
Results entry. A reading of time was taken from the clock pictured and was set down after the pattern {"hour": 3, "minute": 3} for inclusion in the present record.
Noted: {"hour": 9, "minute": 16}
